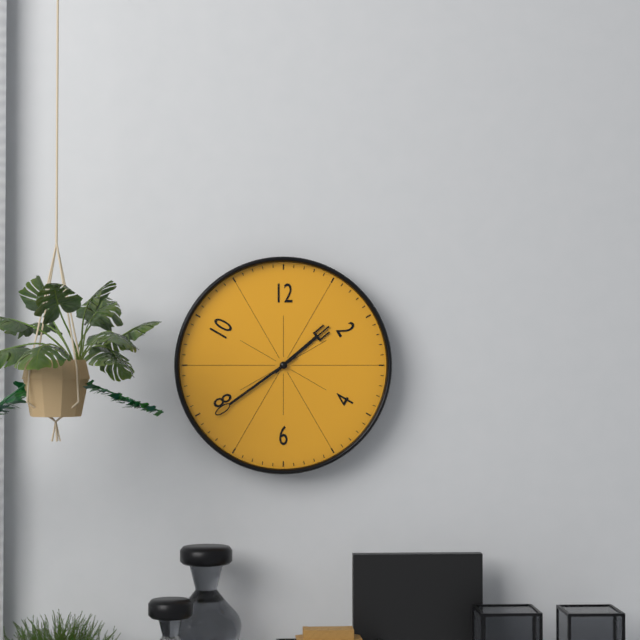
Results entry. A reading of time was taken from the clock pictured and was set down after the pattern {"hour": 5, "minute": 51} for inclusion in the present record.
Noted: {"hour": 1, "minute": 39}
